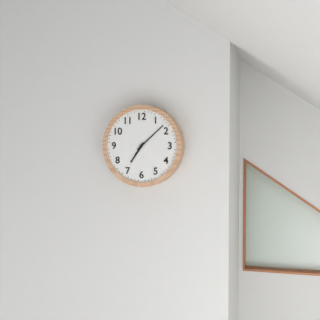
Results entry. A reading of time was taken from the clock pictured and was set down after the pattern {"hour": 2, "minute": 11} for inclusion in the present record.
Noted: {"hour": 7, "minute": 8}
